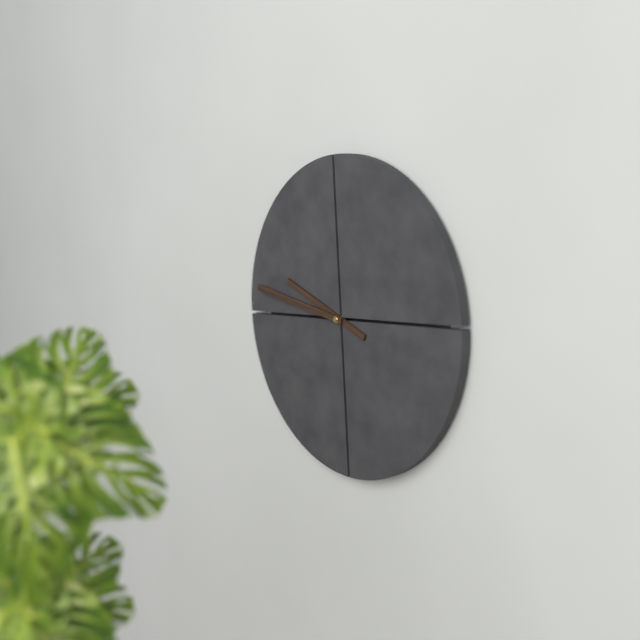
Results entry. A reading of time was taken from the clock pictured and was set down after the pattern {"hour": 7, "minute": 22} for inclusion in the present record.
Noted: {"hour": 9, "minute": 47}
